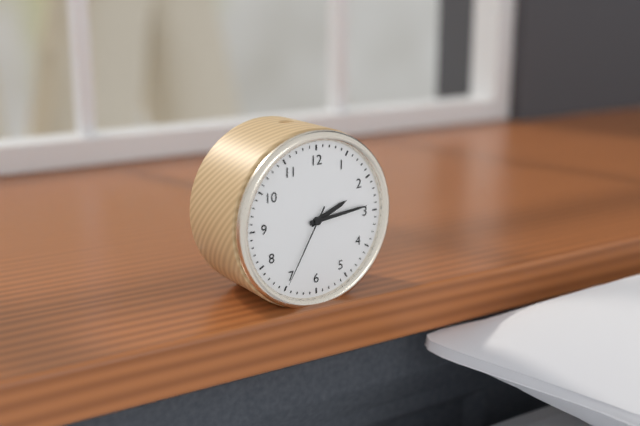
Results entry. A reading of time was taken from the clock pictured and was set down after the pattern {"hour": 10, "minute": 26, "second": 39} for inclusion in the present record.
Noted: {"hour": 2, "minute": 14, "second": 35}
